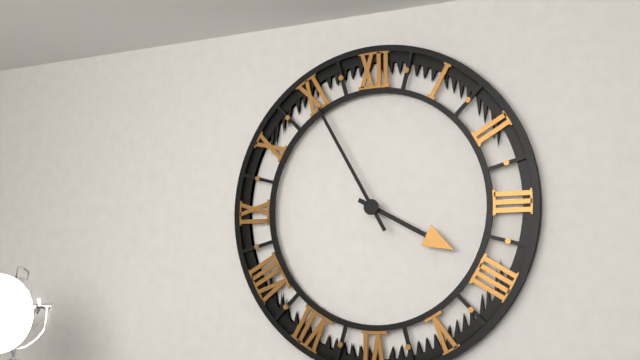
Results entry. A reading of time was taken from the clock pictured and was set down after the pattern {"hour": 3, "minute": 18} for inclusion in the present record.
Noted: {"hour": 3, "minute": 55}
